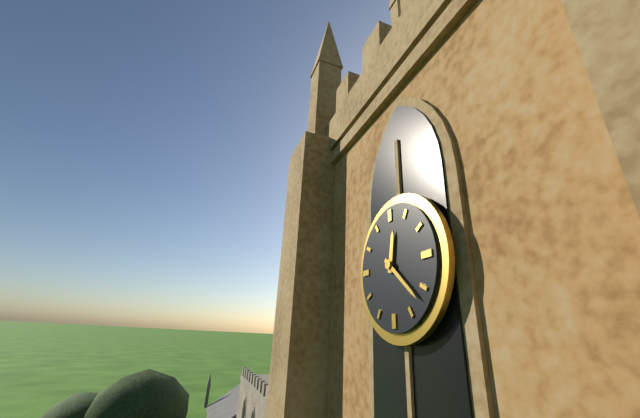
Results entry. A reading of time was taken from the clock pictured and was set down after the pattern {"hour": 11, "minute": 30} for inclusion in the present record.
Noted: {"hour": 12, "minute": 22}
